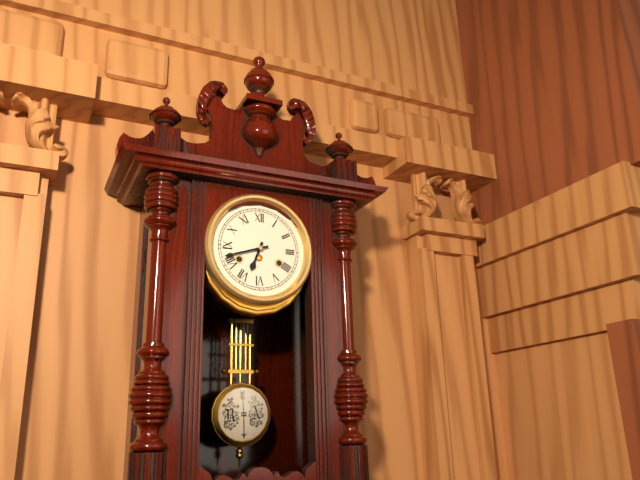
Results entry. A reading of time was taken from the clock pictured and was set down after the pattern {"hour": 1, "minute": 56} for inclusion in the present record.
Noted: {"hour": 6, "minute": 42}
